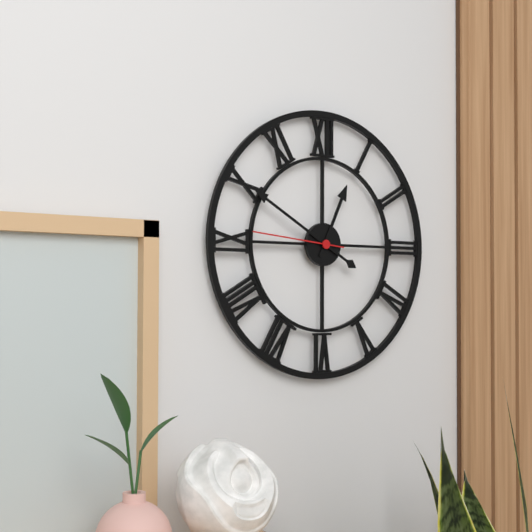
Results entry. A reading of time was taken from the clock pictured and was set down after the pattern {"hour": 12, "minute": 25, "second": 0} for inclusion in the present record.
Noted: {"hour": 12, "minute": 50, "second": 46}
